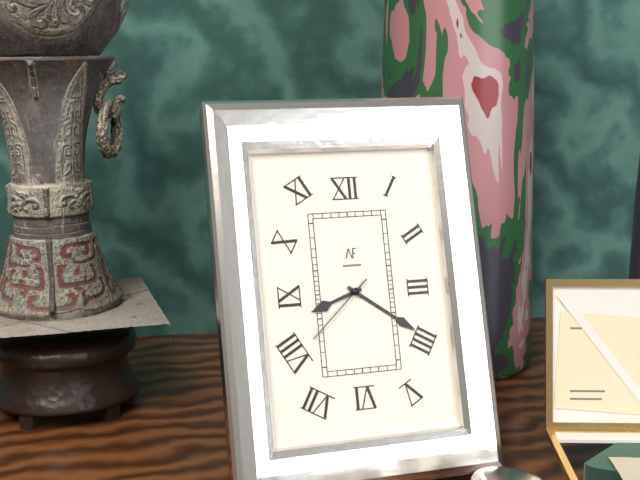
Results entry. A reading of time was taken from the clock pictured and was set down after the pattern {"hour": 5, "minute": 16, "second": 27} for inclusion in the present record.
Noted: {"hour": 8, "minute": 21, "second": 38}
